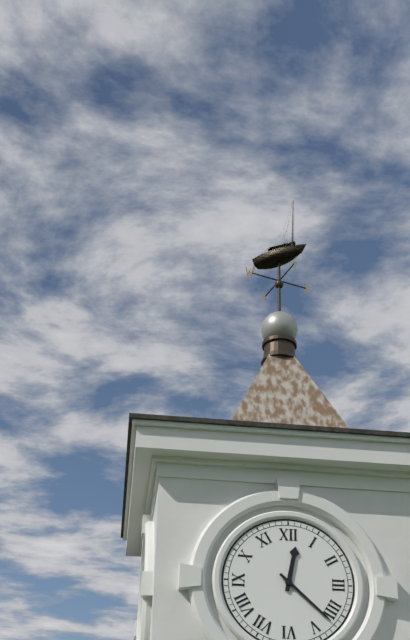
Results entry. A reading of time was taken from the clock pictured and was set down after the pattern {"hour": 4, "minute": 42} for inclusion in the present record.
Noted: {"hour": 12, "minute": 22}
